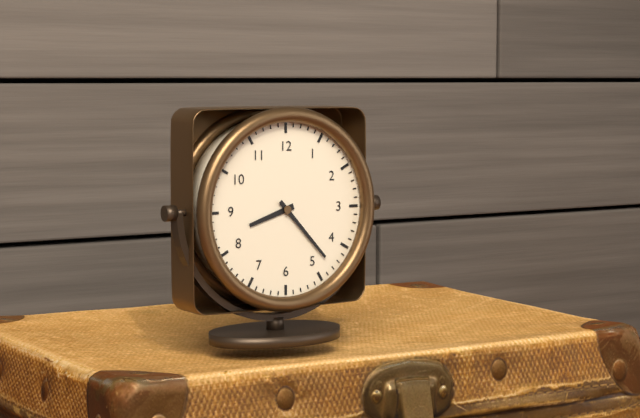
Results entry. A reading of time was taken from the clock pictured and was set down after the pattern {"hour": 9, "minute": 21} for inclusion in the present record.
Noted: {"hour": 8, "minute": 23}
